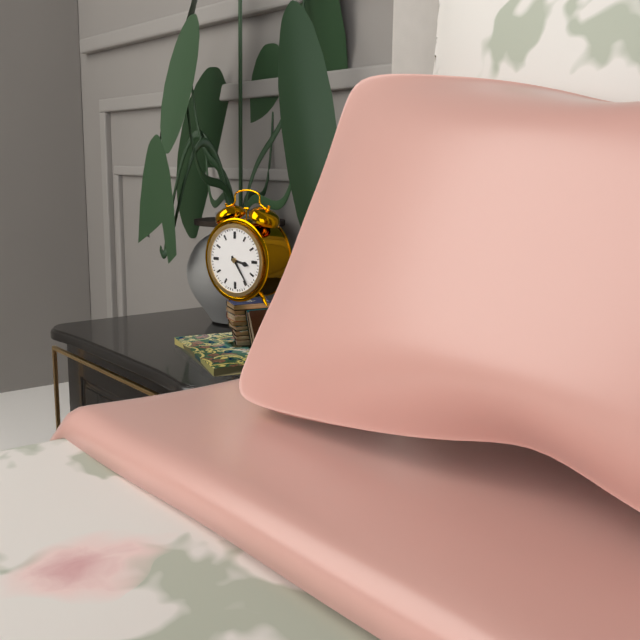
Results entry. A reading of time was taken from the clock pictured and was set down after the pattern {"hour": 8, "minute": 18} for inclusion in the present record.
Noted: {"hour": 3, "minute": 24}
